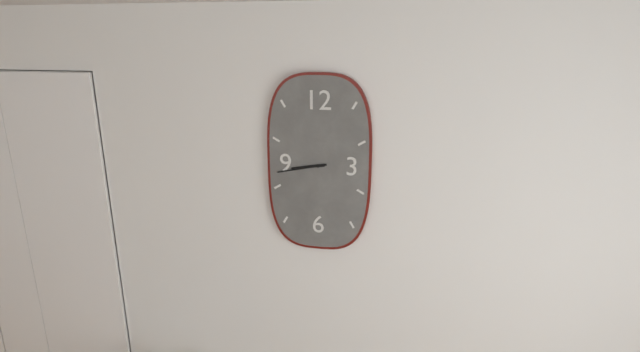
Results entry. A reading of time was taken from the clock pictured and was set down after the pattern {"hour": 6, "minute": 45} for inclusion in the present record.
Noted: {"hour": 8, "minute": 43}
